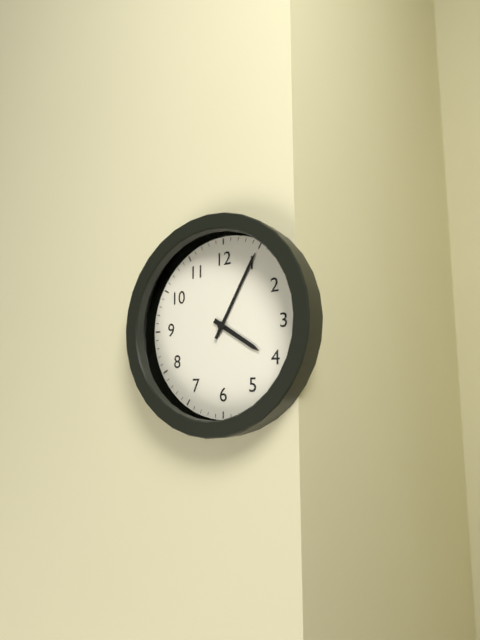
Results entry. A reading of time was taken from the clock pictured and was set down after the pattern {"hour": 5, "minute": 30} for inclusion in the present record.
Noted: {"hour": 4, "minute": 5}
